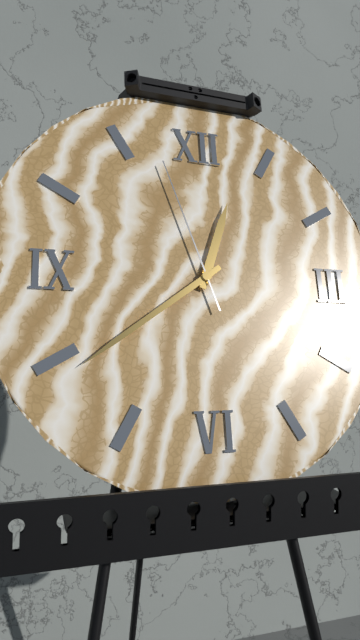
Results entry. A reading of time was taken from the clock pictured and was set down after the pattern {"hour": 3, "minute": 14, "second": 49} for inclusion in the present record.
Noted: {"hour": 12, "minute": 39, "second": 57}
